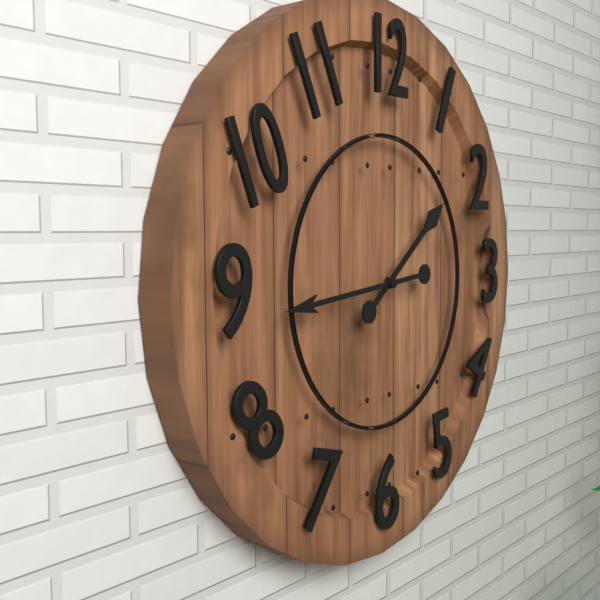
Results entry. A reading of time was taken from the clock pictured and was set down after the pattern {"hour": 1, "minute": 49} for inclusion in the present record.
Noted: {"hour": 1, "minute": 44}
